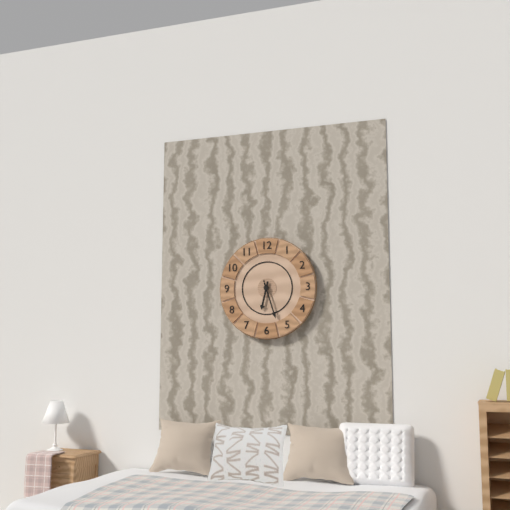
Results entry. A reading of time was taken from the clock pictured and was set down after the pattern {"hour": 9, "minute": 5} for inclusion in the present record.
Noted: {"hour": 6, "minute": 27}
